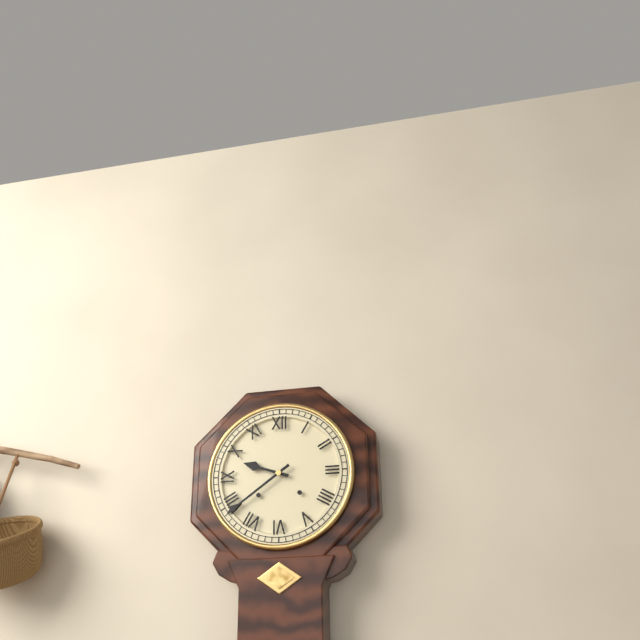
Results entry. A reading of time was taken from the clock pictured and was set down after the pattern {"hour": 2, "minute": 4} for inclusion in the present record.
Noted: {"hour": 9, "minute": 39}
